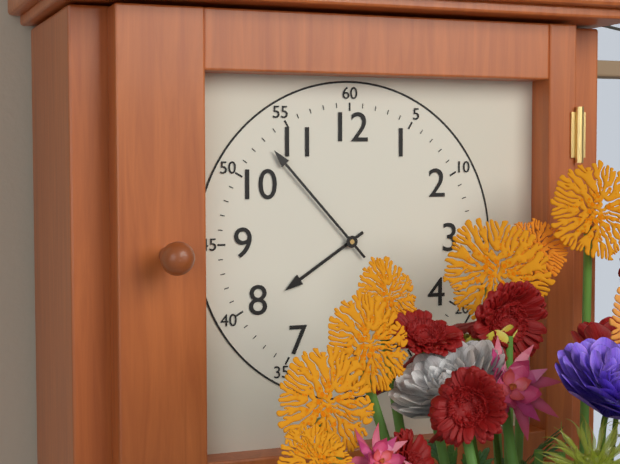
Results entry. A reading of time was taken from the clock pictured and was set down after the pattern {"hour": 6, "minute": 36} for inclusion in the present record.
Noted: {"hour": 7, "minute": 53}
